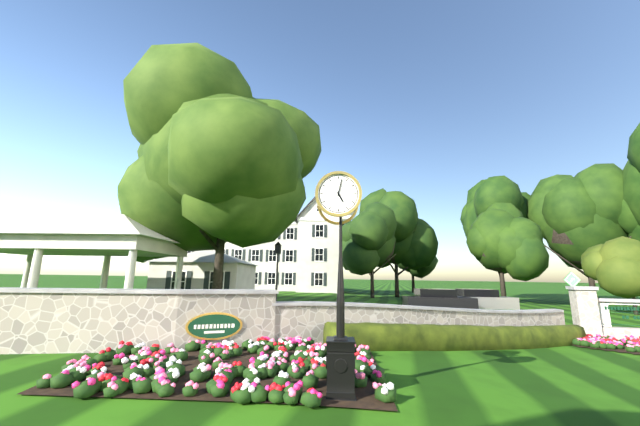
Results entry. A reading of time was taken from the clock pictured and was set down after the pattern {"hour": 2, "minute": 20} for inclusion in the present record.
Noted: {"hour": 5, "minute": 2}
